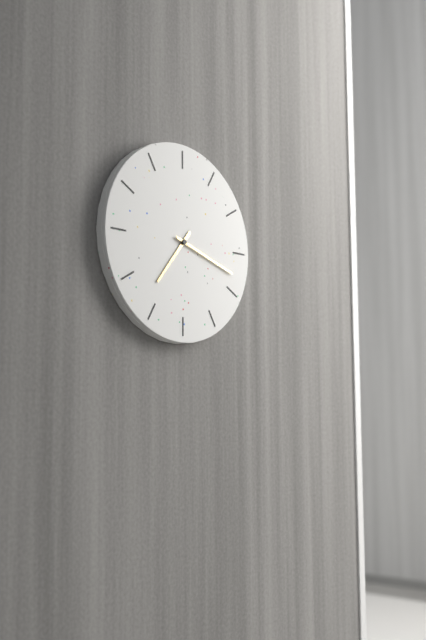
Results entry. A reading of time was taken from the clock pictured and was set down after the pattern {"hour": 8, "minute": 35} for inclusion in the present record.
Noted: {"hour": 7, "minute": 18}
